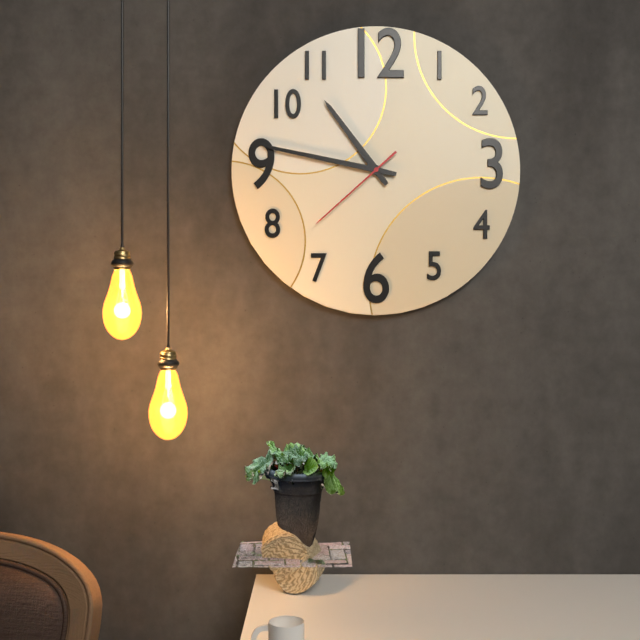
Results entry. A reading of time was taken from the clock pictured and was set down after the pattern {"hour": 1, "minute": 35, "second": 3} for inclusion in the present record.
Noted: {"hour": 10, "minute": 47, "second": 38}
